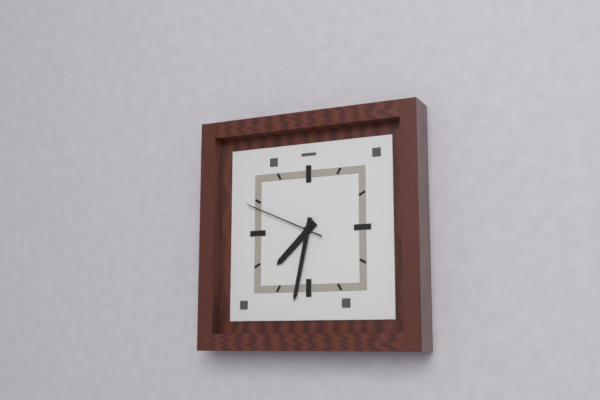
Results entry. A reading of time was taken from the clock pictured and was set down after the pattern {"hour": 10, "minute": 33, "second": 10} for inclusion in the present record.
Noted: {"hour": 7, "minute": 32, "second": 49}
